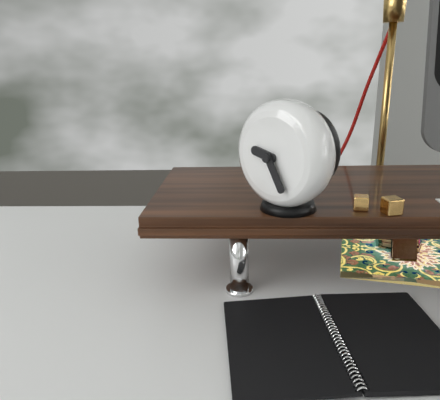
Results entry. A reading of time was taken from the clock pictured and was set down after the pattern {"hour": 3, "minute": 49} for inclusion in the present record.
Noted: {"hour": 9, "minute": 25}
